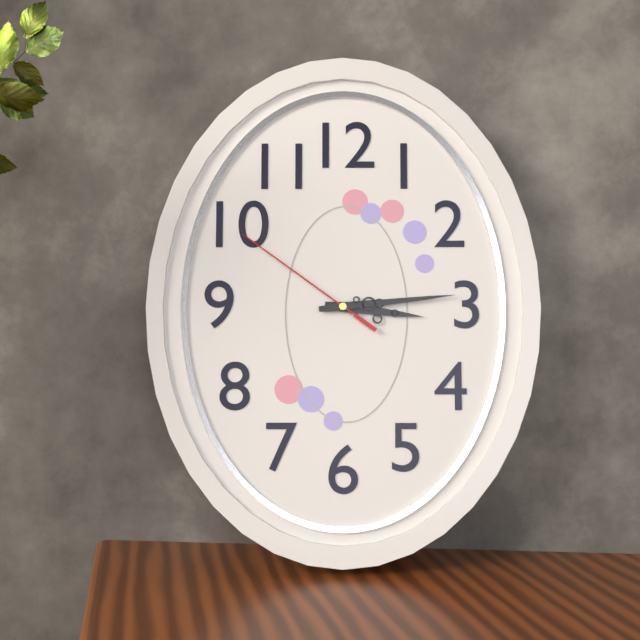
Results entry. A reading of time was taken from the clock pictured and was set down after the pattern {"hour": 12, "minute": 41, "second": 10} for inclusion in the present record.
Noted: {"hour": 3, "minute": 14, "second": 51}
